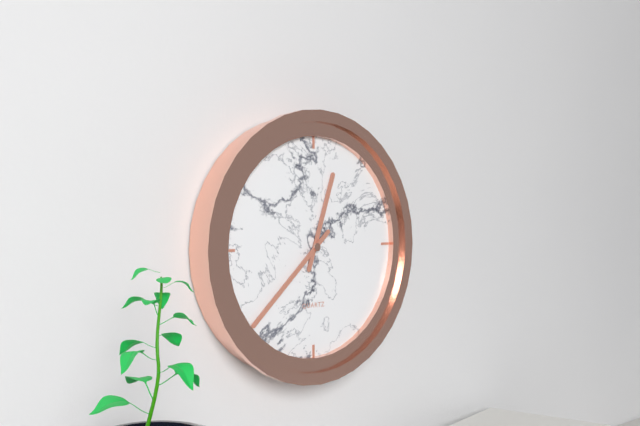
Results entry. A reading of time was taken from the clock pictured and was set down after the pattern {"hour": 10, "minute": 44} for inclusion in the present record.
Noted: {"hour": 12, "minute": 38}
